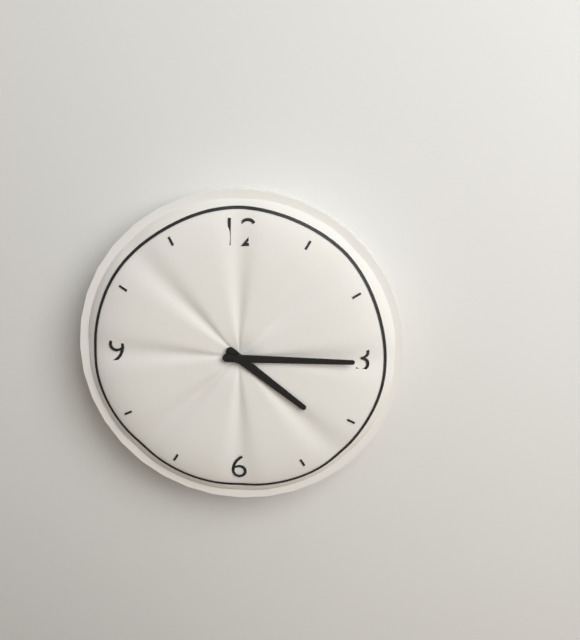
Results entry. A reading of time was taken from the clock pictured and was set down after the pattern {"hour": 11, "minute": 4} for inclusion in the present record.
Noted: {"hour": 4, "minute": 15}
